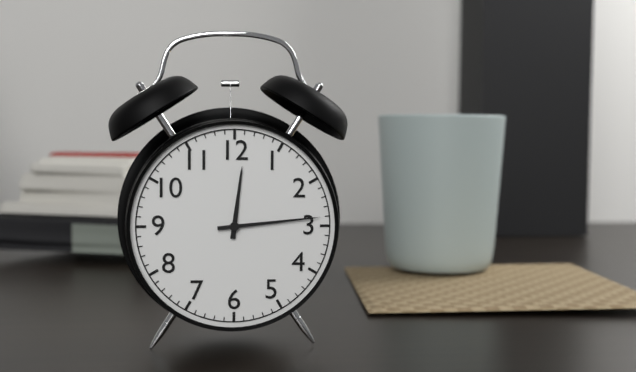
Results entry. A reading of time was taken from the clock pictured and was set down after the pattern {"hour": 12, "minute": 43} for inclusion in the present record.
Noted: {"hour": 12, "minute": 14}
